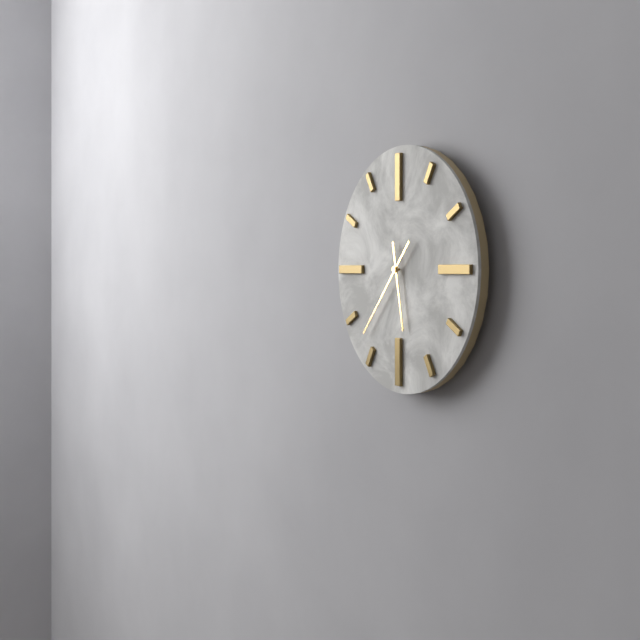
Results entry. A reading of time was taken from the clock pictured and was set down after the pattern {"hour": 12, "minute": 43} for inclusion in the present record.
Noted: {"hour": 5, "minute": 37}
